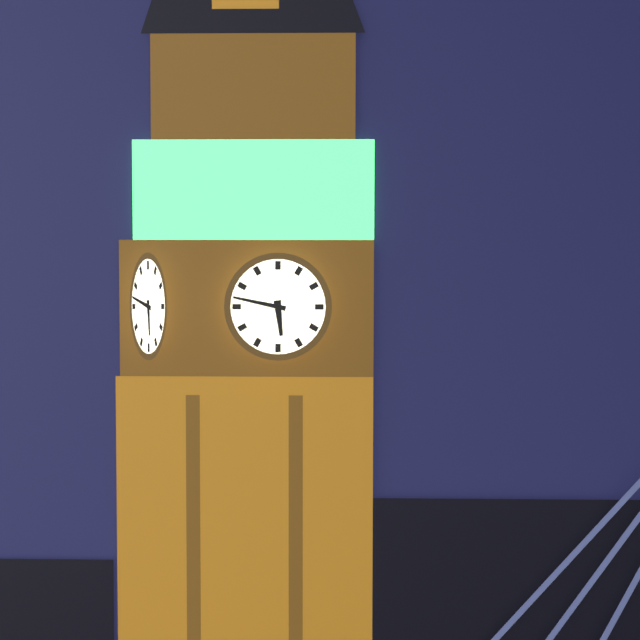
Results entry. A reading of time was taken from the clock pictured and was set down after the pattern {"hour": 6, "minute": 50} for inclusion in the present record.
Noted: {"hour": 5, "minute": 47}
